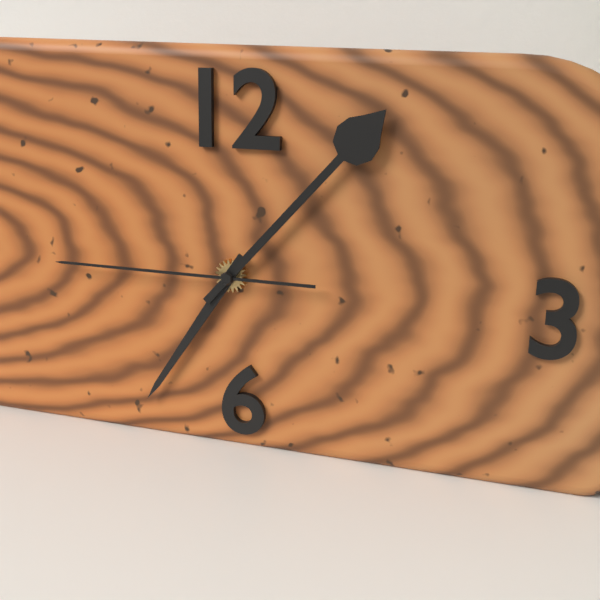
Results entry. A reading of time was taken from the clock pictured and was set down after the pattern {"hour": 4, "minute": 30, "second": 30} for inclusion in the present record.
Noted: {"hour": 7, "minute": 7, "second": 45}
